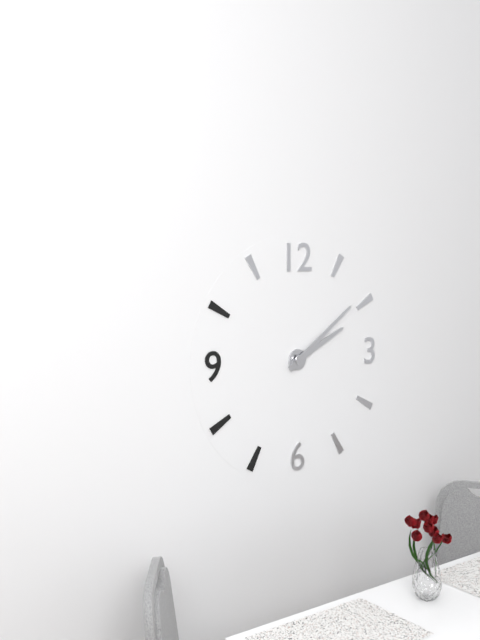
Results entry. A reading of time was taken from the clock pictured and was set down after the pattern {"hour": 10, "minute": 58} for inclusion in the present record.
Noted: {"hour": 2, "minute": 9}
